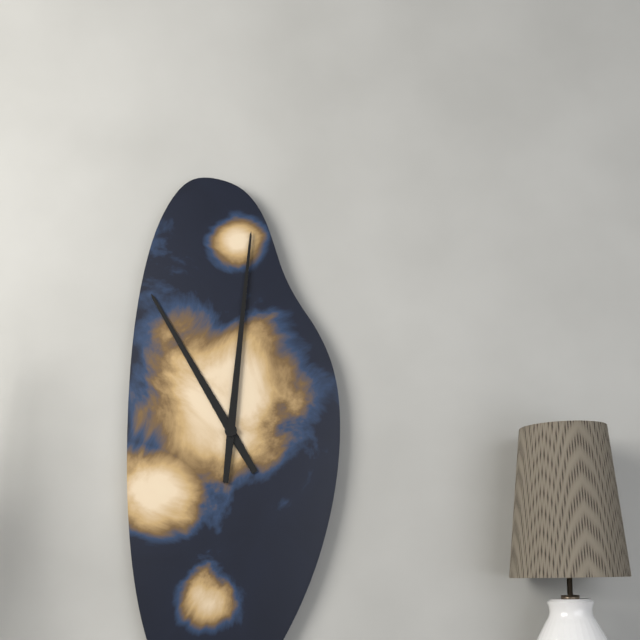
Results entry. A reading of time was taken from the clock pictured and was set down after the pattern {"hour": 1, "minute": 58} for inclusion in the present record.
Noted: {"hour": 11, "minute": 1}
